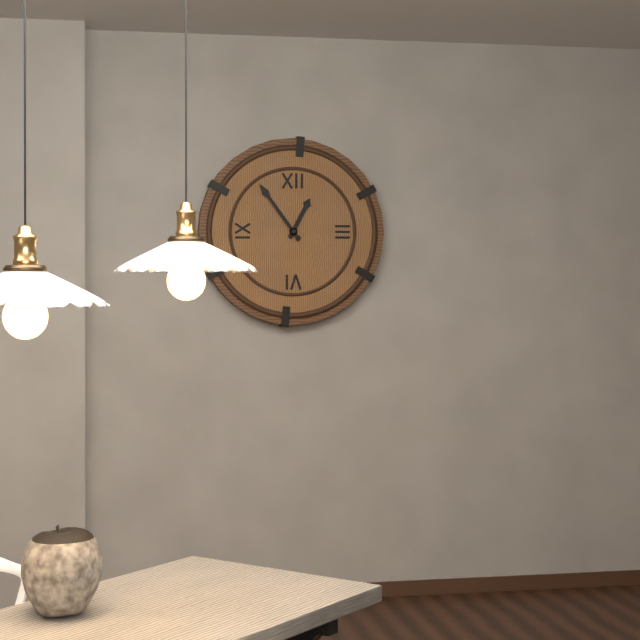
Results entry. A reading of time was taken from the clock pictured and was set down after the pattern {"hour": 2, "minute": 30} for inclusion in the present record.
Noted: {"hour": 12, "minute": 54}
